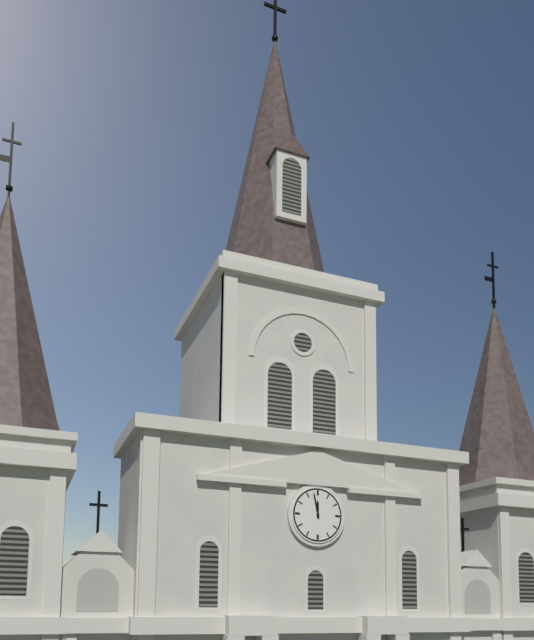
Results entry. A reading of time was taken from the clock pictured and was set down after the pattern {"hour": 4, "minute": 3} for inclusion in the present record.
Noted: {"hour": 11, "minute": 58}
